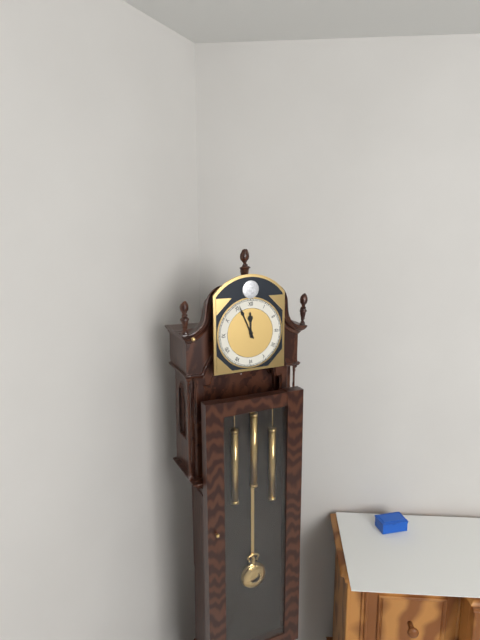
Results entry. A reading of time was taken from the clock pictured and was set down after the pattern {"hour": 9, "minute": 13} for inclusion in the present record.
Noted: {"hour": 11, "minute": 56}
